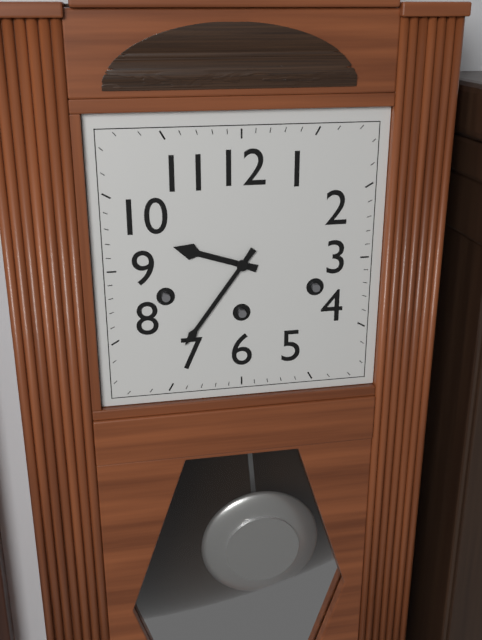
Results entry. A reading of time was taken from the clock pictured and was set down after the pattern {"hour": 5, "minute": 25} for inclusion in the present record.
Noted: {"hour": 9, "minute": 36}
